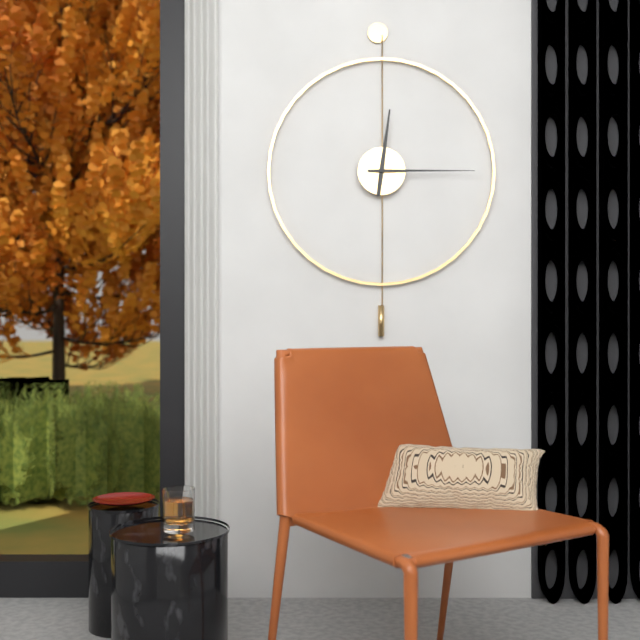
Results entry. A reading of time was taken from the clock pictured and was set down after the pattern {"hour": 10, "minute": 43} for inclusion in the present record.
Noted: {"hour": 12, "minute": 15}
